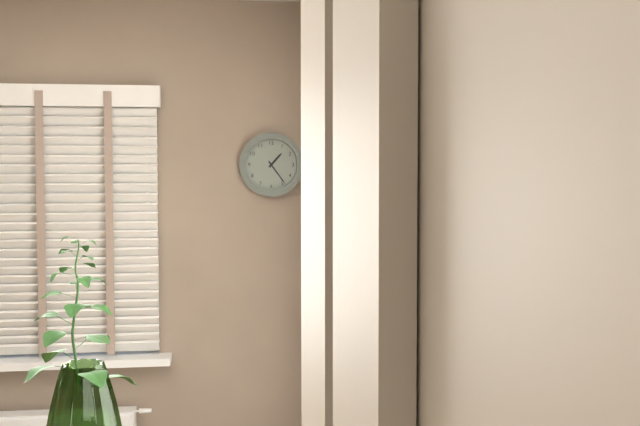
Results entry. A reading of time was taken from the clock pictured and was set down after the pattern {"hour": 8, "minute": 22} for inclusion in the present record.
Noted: {"hour": 1, "minute": 24}
